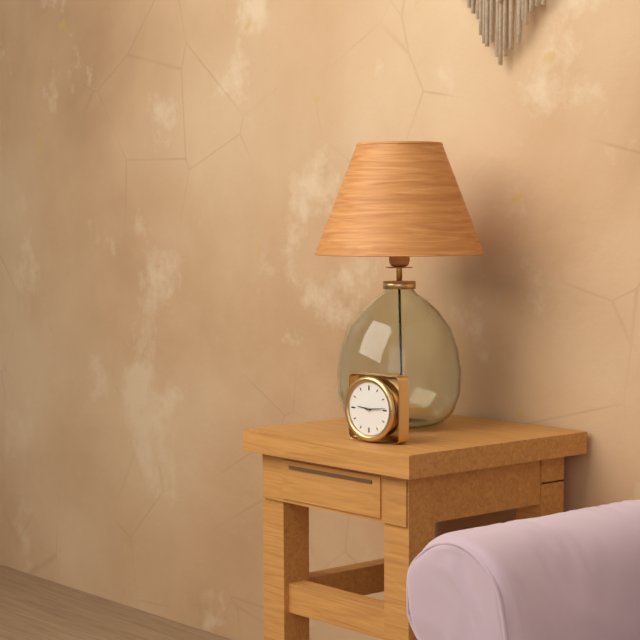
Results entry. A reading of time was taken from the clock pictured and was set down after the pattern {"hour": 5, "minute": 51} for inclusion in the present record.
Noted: {"hour": 9, "minute": 14}
